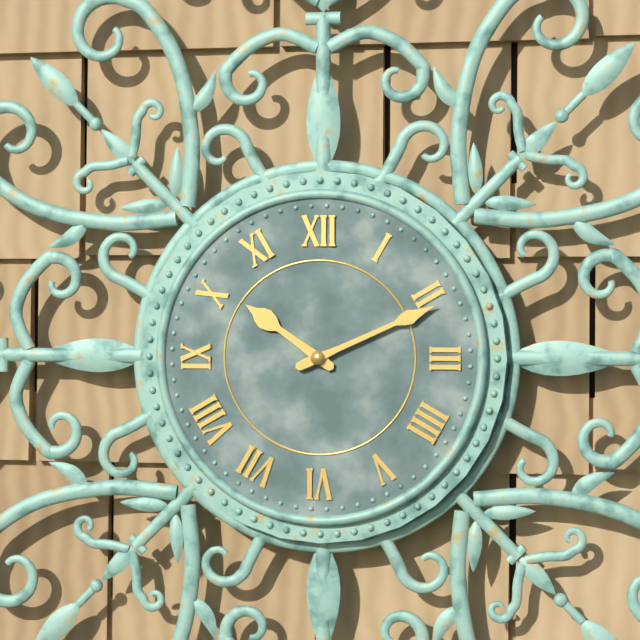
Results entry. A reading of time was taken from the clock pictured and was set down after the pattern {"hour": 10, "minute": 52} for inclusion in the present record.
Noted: {"hour": 10, "minute": 11}
